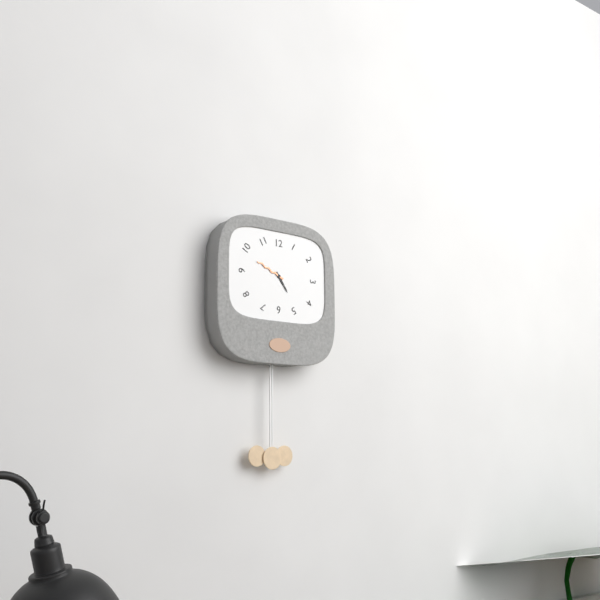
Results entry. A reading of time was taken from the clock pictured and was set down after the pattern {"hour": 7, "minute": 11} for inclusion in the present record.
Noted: {"hour": 4, "minute": 49}
